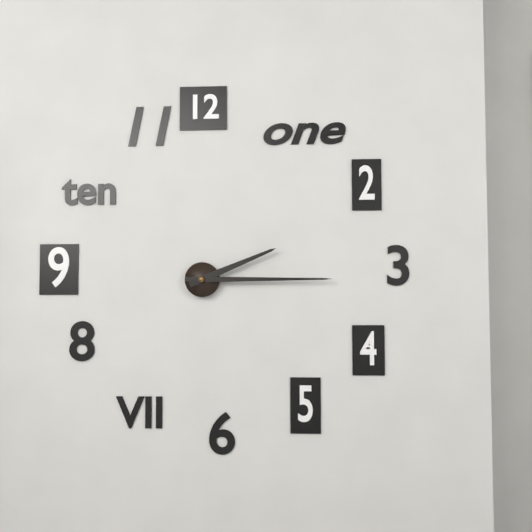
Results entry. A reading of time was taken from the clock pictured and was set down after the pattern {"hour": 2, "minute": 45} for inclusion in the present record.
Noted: {"hour": 2, "minute": 15}
